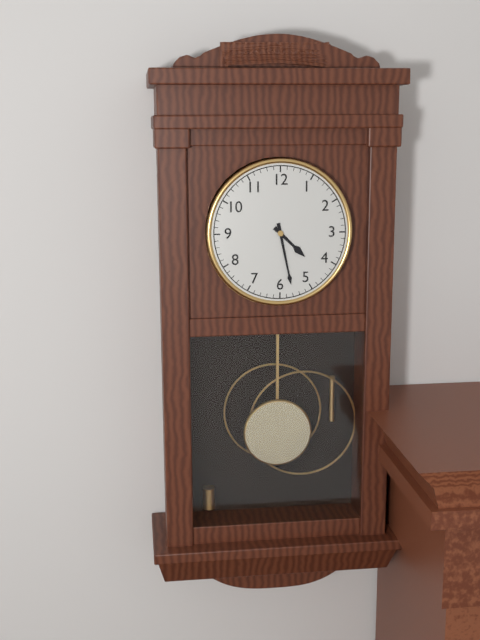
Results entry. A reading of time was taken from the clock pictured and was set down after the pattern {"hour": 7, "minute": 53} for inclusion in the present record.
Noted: {"hour": 4, "minute": 28}
